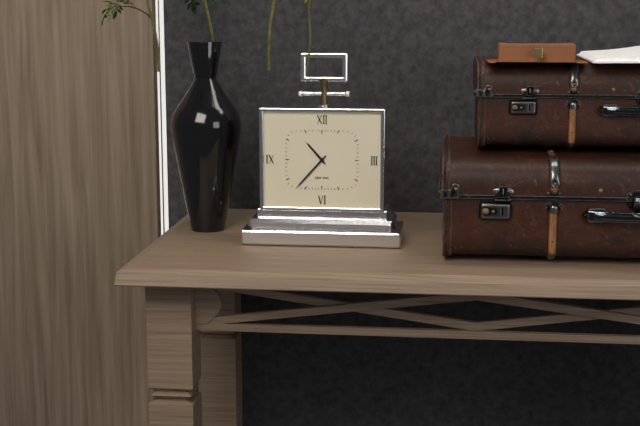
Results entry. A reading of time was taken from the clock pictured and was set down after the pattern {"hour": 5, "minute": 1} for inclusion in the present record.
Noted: {"hour": 10, "minute": 37}
